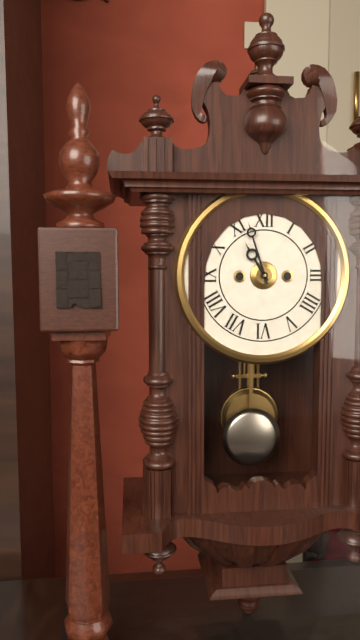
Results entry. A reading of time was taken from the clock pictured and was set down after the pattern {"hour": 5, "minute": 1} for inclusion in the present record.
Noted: {"hour": 10, "minute": 57}
